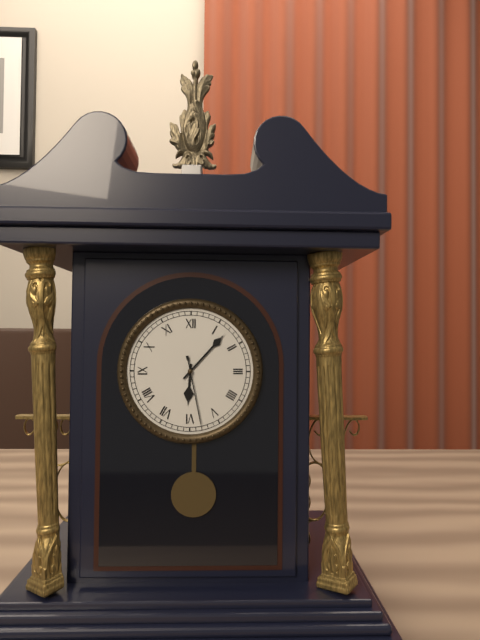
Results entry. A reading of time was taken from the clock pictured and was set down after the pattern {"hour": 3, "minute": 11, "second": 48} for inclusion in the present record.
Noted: {"hour": 6, "minute": 7, "second": 28}
